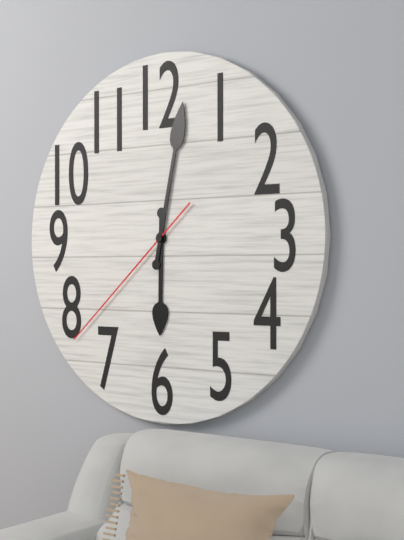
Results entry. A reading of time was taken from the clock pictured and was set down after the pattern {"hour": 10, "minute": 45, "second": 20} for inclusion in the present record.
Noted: {"hour": 6, "minute": 2, "second": 38}
